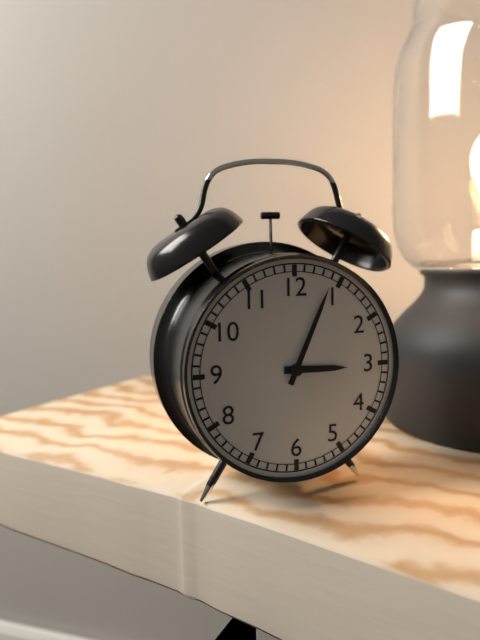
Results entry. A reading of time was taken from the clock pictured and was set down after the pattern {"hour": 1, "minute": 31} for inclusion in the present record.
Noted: {"hour": 3, "minute": 4}
